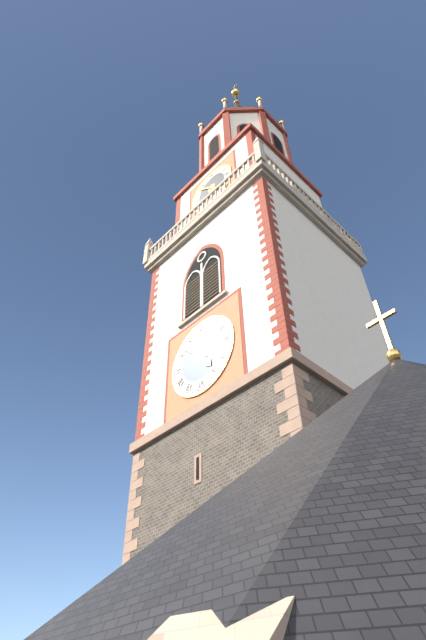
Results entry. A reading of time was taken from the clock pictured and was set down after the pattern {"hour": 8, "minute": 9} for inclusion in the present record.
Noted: {"hour": 4, "minute": 52}
